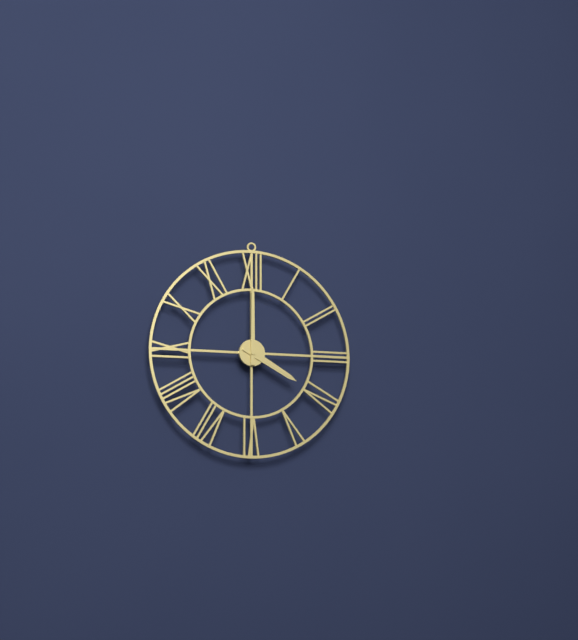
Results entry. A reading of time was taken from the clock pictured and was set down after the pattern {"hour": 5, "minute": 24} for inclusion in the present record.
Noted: {"hour": 4, "minute": 0}
